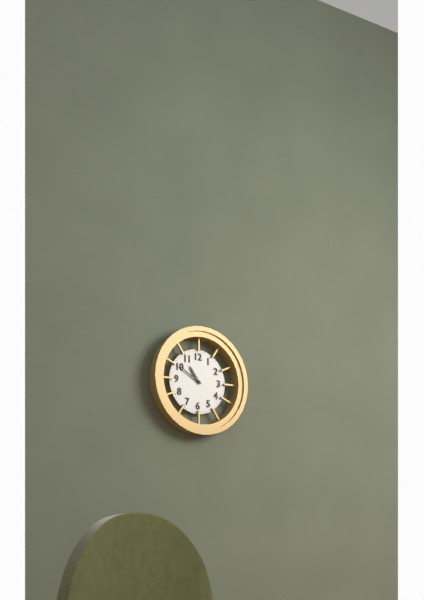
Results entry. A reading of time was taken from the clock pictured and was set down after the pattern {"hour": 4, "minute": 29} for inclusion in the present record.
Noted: {"hour": 10, "minute": 50}
